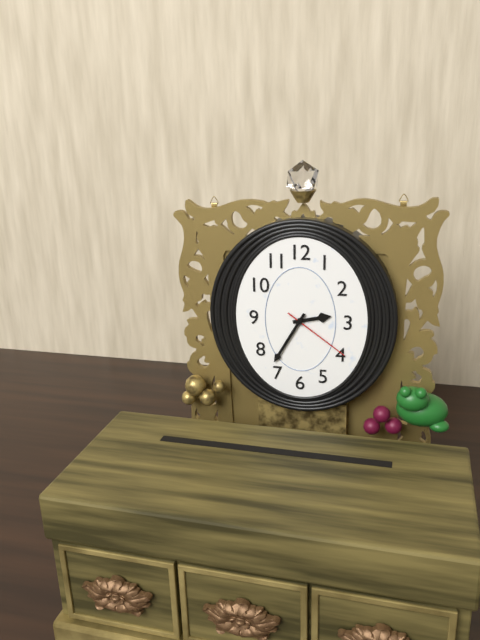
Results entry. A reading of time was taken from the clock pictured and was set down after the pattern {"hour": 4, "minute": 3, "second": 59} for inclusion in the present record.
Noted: {"hour": 2, "minute": 35, "second": 21}
